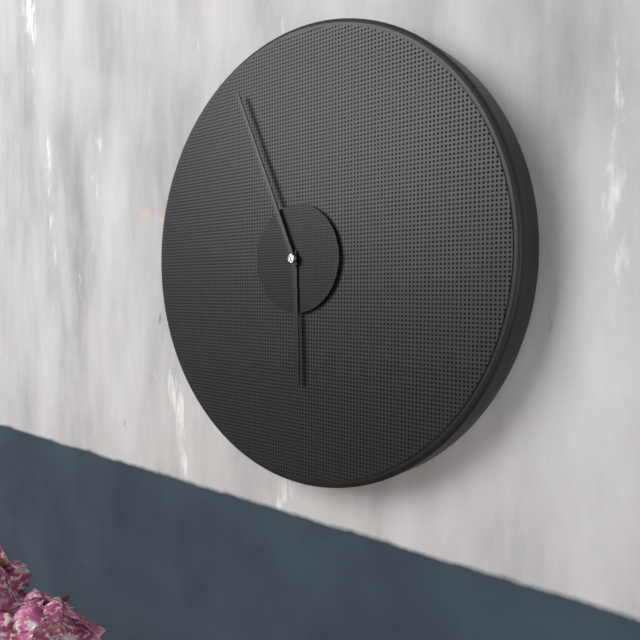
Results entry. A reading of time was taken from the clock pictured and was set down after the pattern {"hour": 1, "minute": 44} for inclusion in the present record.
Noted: {"hour": 5, "minute": 56}
